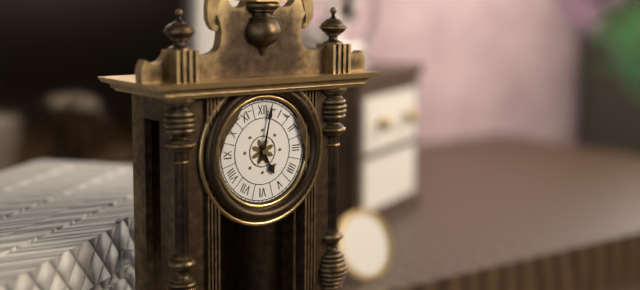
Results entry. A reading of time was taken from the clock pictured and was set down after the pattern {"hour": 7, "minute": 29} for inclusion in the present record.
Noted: {"hour": 5, "minute": 2}
